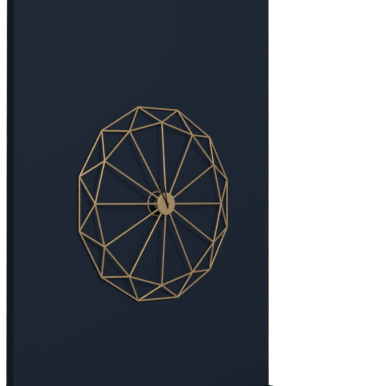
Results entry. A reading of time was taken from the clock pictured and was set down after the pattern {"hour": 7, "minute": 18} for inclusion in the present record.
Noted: {"hour": 10, "minute": 58}
